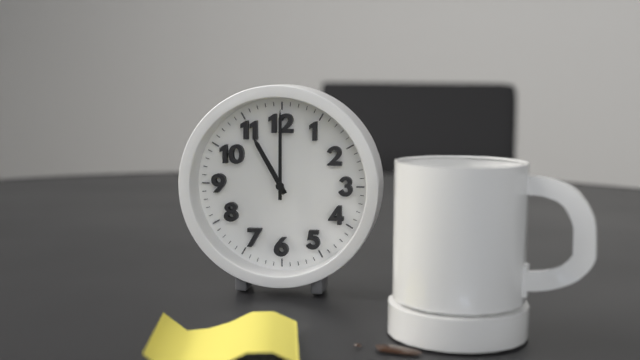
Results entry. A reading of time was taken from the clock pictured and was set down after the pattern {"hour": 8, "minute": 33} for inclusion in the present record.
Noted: {"hour": 11, "minute": 0}
